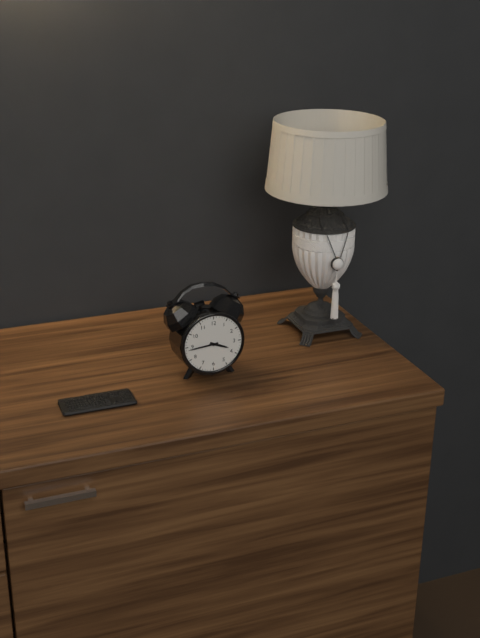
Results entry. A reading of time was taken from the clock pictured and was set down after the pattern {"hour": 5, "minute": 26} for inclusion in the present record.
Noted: {"hour": 3, "minute": 44}
